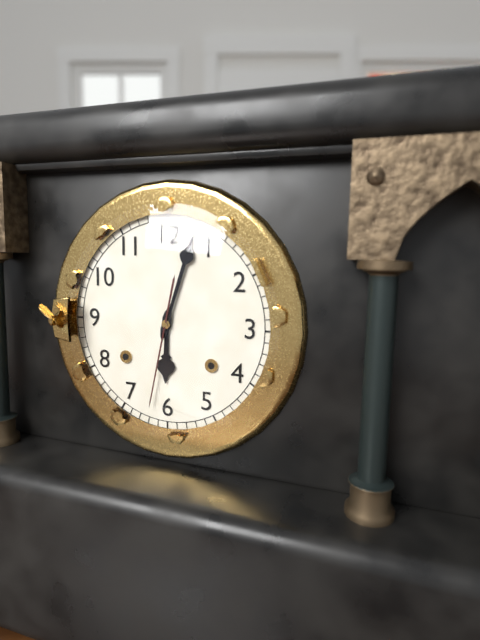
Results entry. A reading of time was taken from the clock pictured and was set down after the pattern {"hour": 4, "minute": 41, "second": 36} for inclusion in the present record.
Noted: {"hour": 6, "minute": 3, "second": 32}
